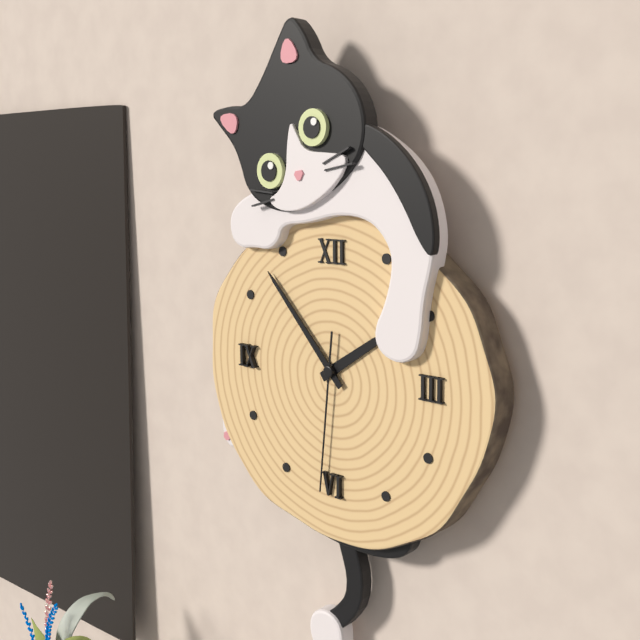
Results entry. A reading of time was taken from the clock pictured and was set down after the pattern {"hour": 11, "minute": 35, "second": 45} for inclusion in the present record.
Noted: {"hour": 1, "minute": 53, "second": 31}
